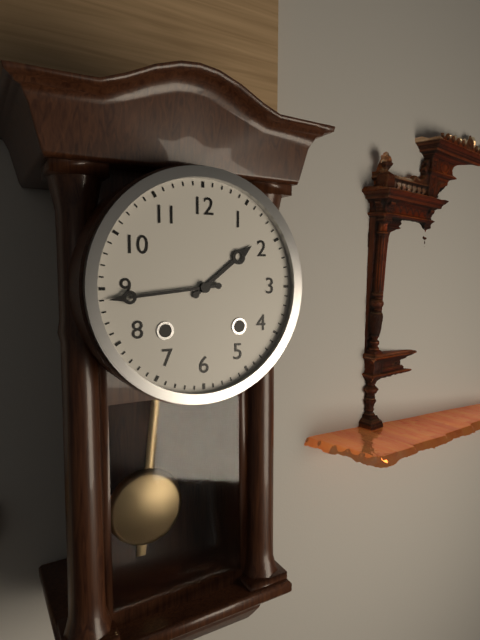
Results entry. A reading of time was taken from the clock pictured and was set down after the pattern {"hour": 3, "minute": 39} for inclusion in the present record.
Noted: {"hour": 1, "minute": 44}
